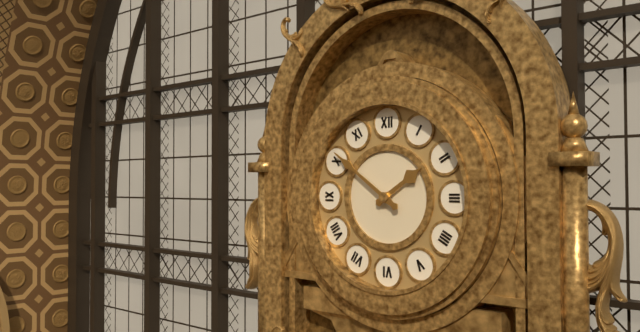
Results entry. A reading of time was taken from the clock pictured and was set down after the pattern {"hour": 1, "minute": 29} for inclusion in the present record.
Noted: {"hour": 1, "minute": 51}
